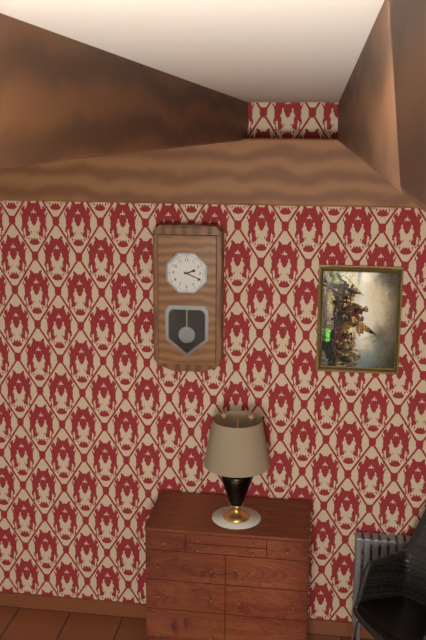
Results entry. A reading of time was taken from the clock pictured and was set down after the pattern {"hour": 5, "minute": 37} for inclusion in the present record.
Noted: {"hour": 2, "minute": 19}
